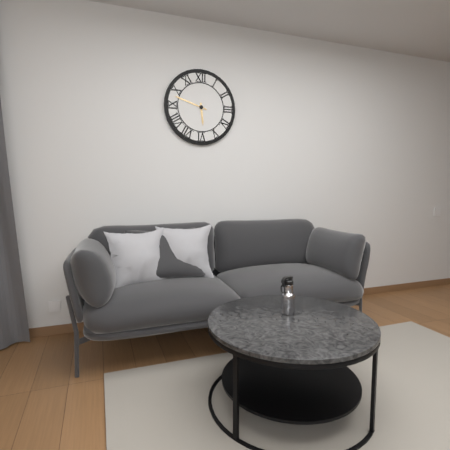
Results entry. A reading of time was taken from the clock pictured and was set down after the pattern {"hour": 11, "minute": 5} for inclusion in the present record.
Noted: {"hour": 5, "minute": 48}
